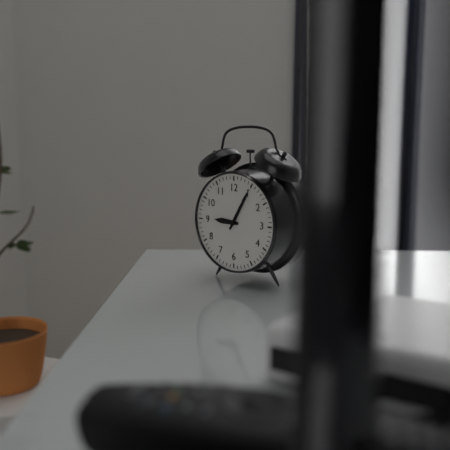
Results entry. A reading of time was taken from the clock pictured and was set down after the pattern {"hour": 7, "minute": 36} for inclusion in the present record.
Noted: {"hour": 9, "minute": 5}
